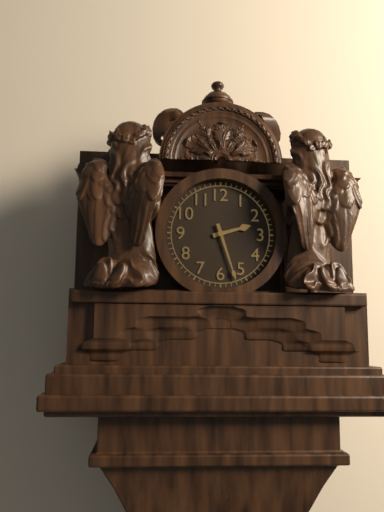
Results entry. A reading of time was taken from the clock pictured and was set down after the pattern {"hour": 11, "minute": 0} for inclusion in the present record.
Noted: {"hour": 2, "minute": 27}
